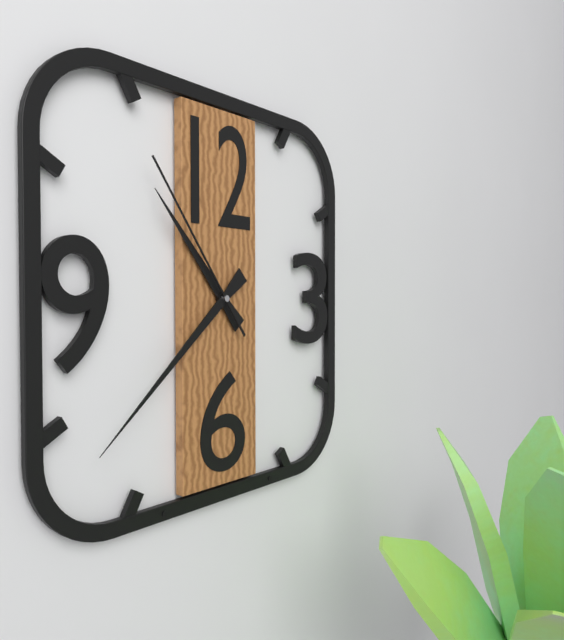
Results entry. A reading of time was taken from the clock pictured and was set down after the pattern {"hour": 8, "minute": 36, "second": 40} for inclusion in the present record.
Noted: {"hour": 10, "minute": 38, "second": 54}
